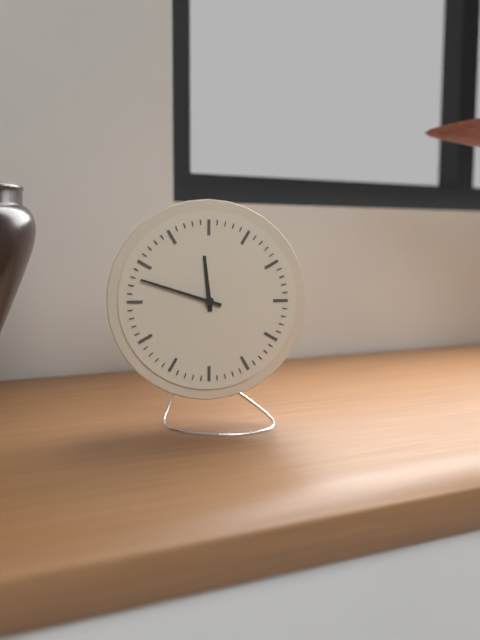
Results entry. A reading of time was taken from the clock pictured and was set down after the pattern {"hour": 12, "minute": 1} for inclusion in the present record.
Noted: {"hour": 11, "minute": 48}
